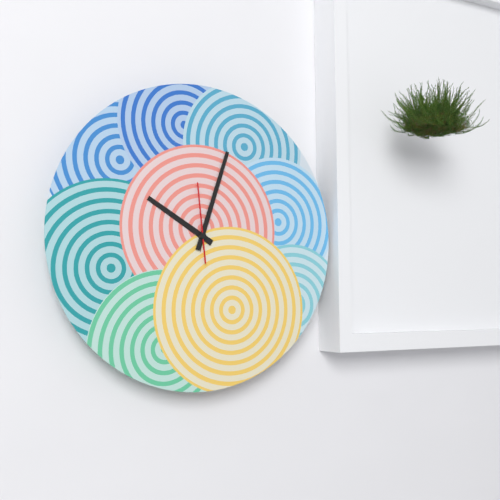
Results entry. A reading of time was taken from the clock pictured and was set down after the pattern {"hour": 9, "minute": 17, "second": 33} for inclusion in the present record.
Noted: {"hour": 10, "minute": 3, "second": 59}
